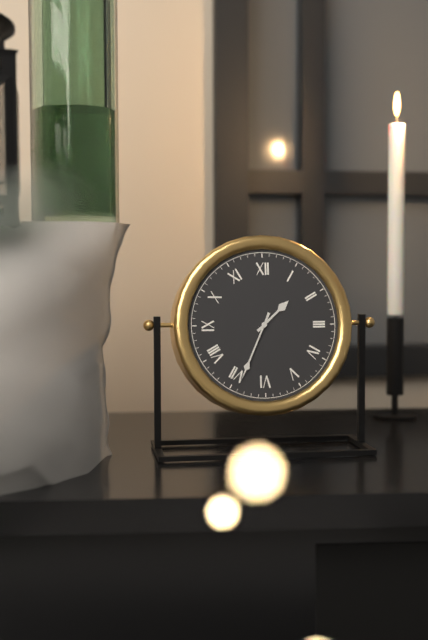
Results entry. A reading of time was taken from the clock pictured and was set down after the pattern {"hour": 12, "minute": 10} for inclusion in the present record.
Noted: {"hour": 1, "minute": 34}
